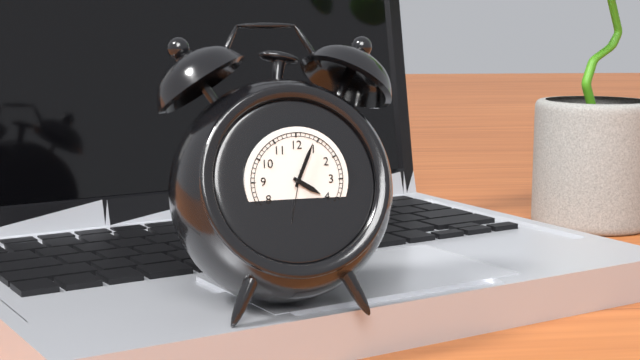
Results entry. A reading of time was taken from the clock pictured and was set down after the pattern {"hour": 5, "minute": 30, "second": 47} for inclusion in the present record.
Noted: {"hour": 4, "minute": 4, "second": 32}
